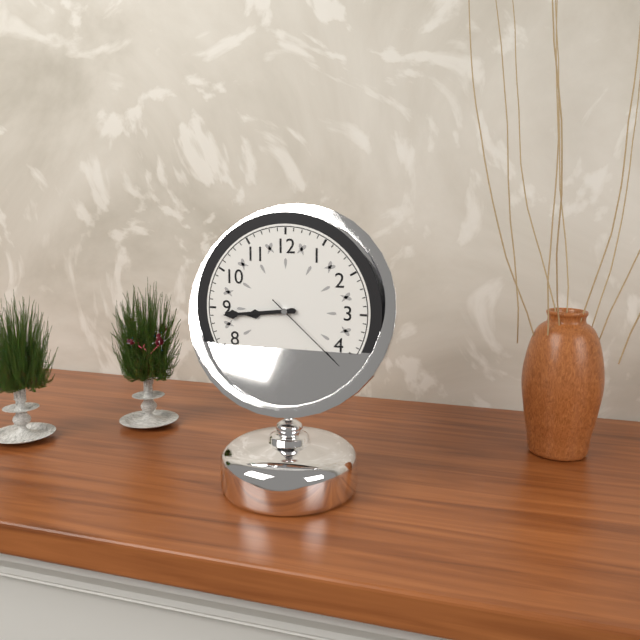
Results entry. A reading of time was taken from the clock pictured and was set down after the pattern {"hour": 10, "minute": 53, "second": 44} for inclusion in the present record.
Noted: {"hour": 8, "minute": 44, "second": 22}
